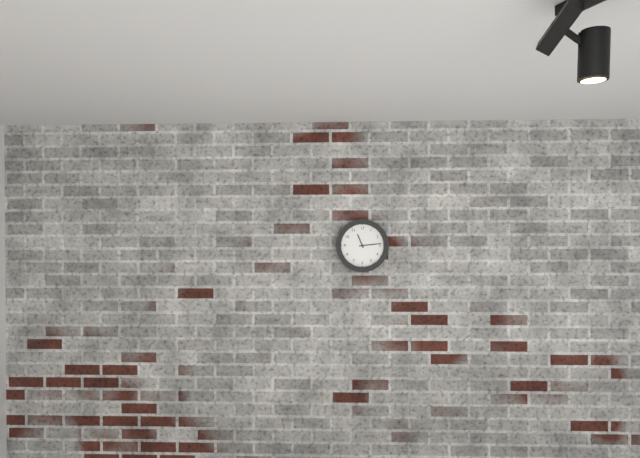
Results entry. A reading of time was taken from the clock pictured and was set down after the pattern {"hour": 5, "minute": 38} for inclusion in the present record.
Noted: {"hour": 11, "minute": 14}
